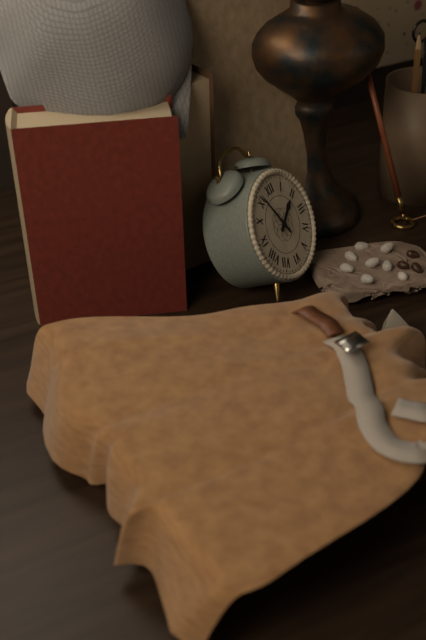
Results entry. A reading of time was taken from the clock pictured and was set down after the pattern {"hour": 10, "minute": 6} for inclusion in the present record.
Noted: {"hour": 1, "minute": 56}
